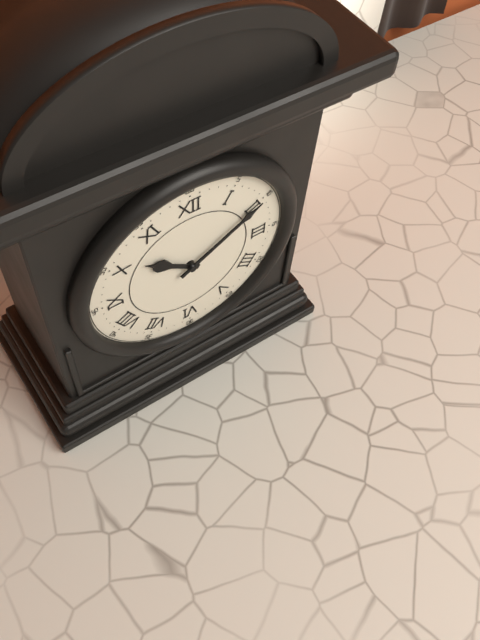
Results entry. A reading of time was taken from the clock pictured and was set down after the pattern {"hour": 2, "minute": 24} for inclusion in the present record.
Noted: {"hour": 10, "minute": 10}
